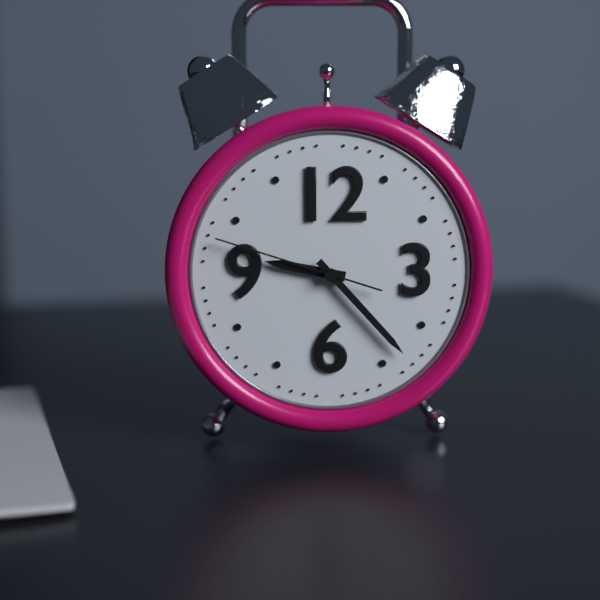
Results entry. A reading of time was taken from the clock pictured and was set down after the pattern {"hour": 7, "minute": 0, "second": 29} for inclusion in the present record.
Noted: {"hour": 9, "minute": 23, "second": 48}
